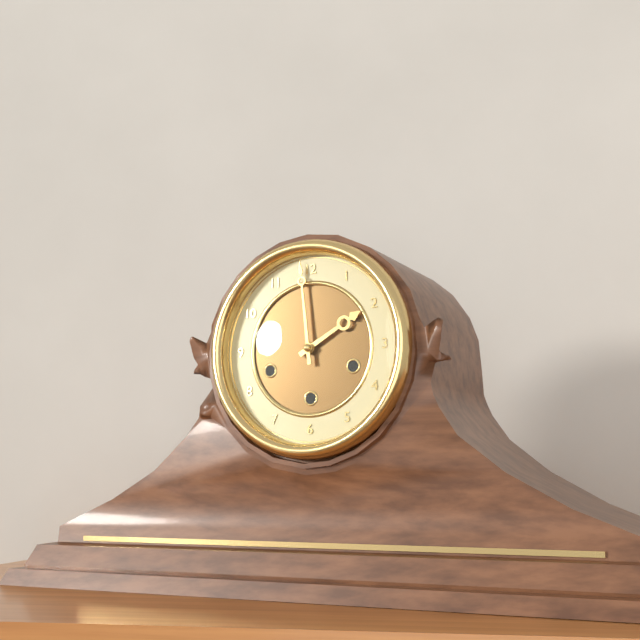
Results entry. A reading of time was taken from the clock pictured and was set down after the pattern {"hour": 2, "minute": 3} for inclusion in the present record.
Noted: {"hour": 1, "minute": 59}
